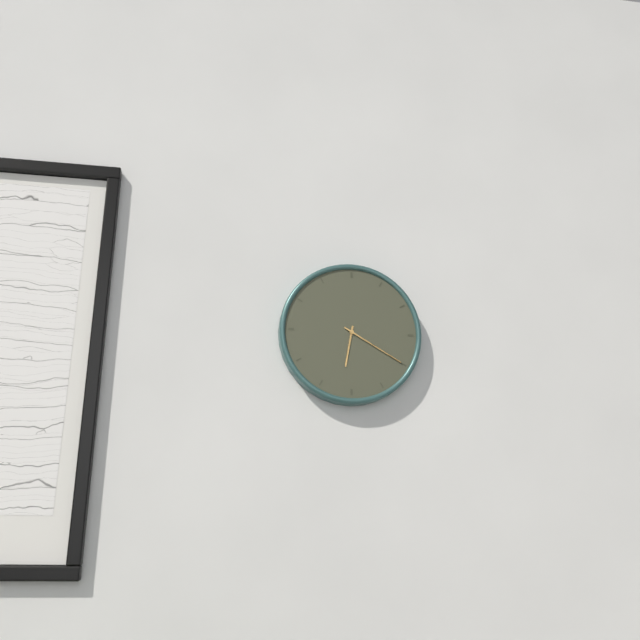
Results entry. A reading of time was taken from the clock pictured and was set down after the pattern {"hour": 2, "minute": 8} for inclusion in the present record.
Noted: {"hour": 6, "minute": 20}
